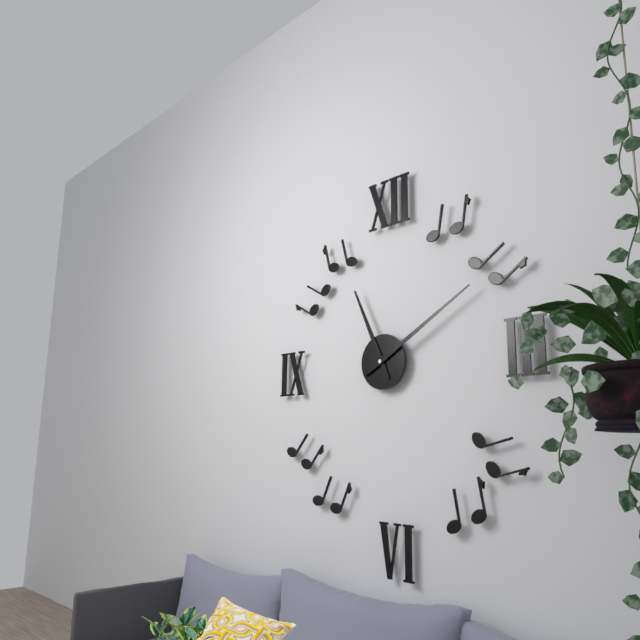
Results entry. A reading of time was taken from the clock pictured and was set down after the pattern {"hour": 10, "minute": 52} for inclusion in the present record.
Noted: {"hour": 11, "minute": 10}
